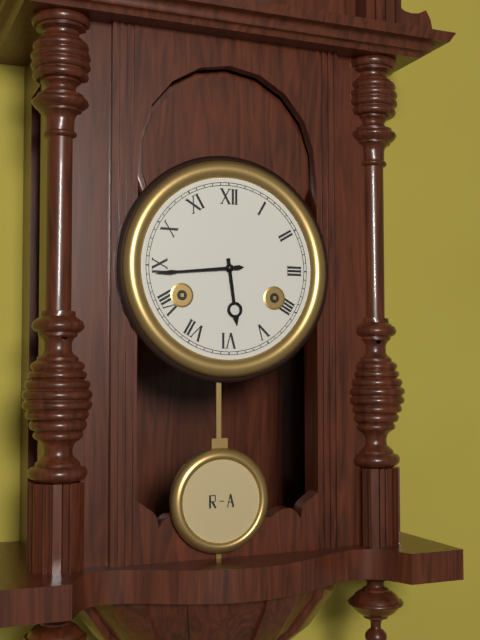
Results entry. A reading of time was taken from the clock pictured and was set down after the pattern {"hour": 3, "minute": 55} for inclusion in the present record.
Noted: {"hour": 5, "minute": 44}
